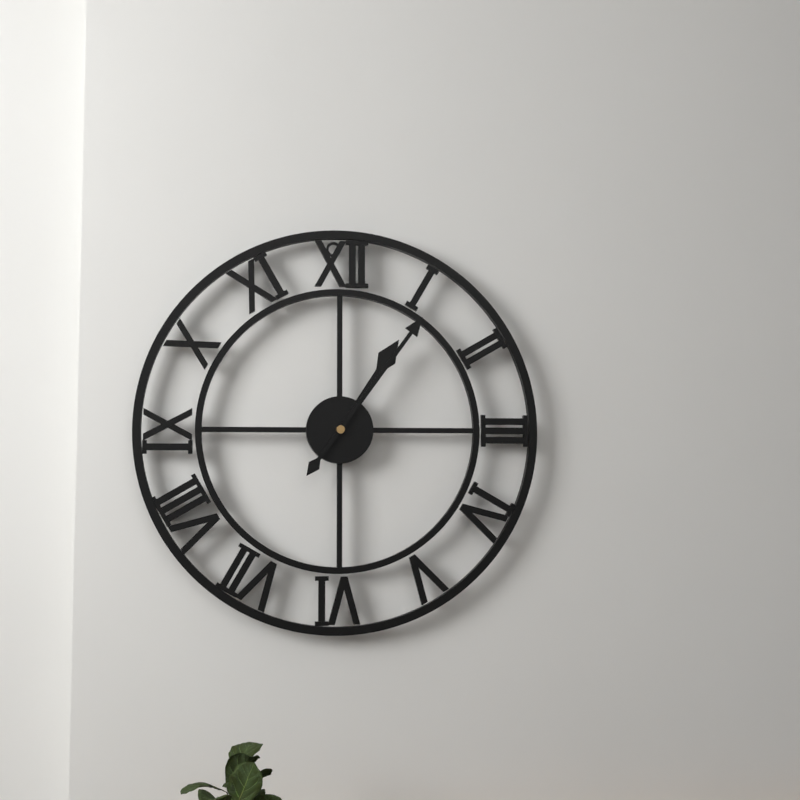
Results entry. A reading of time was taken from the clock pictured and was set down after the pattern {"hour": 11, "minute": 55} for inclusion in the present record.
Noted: {"hour": 1, "minute": 6}
